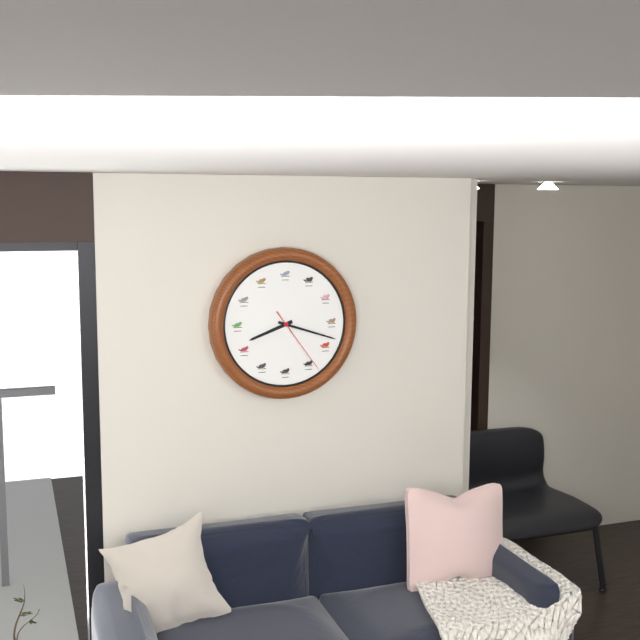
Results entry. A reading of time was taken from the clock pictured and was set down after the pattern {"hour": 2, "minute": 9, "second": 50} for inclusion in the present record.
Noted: {"hour": 8, "minute": 18, "second": 24}
